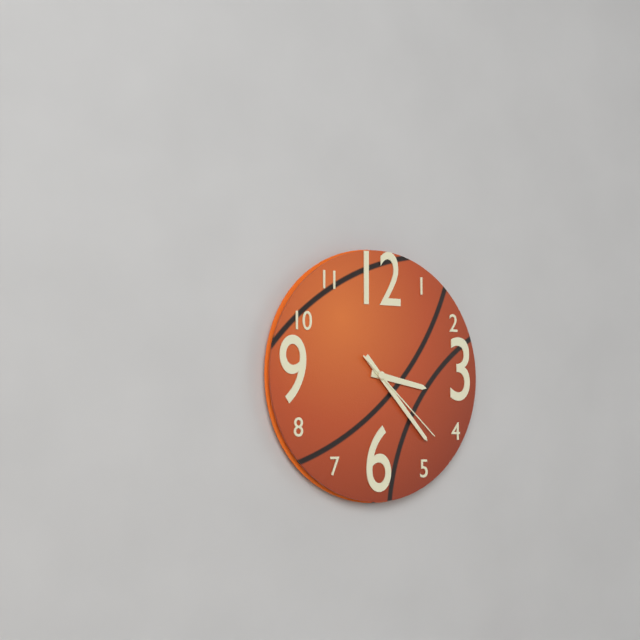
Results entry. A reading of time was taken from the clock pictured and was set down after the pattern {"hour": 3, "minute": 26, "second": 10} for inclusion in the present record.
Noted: {"hour": 3, "minute": 23, "second": 22}
